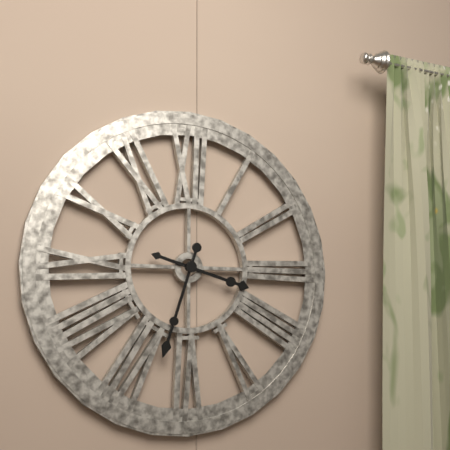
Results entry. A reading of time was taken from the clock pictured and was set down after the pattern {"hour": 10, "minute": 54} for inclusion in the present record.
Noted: {"hour": 3, "minute": 33}
